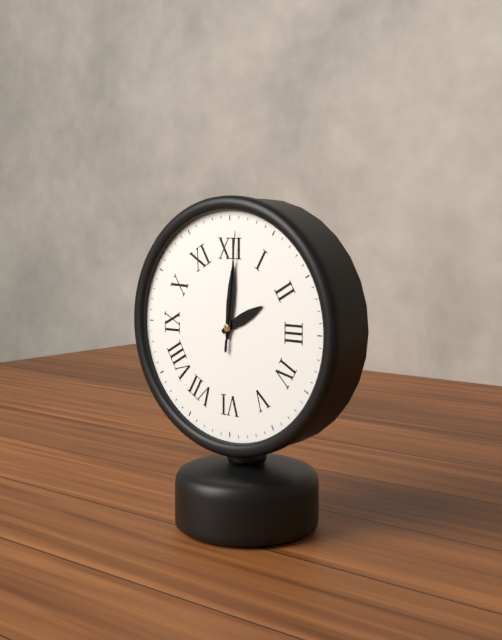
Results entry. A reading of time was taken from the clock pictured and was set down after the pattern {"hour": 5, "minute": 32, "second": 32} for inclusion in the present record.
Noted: {"hour": 2, "minute": 1, "second": 1}
